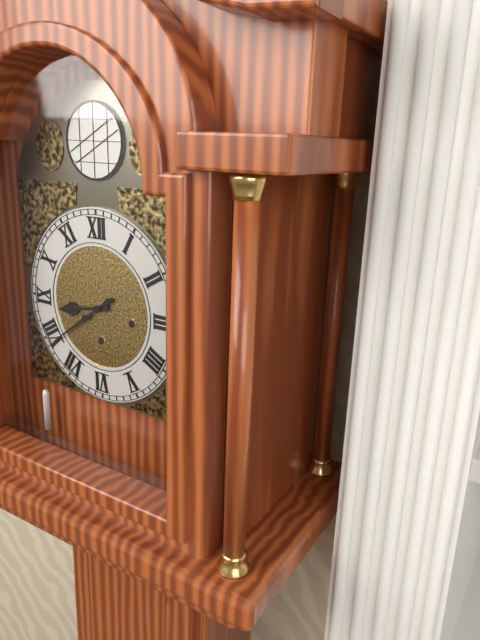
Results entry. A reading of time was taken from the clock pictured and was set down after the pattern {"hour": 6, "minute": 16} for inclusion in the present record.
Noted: {"hour": 8, "minute": 39}
